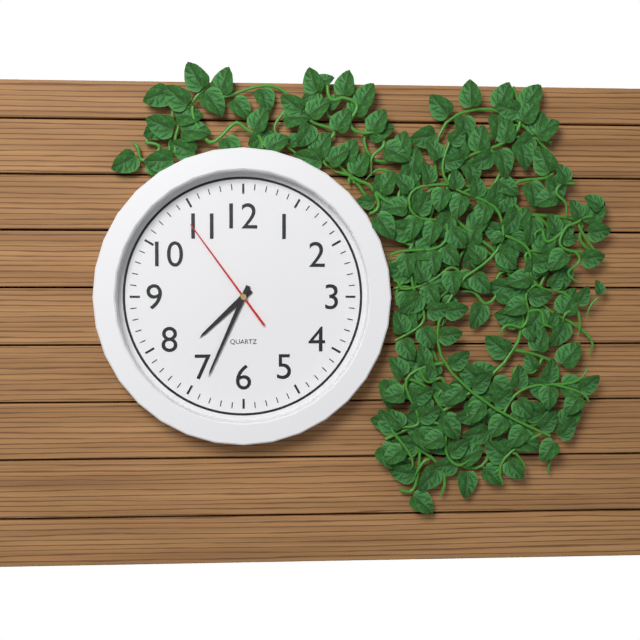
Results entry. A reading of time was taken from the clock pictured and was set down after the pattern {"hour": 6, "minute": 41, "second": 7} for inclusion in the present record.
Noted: {"hour": 7, "minute": 34, "second": 54}
